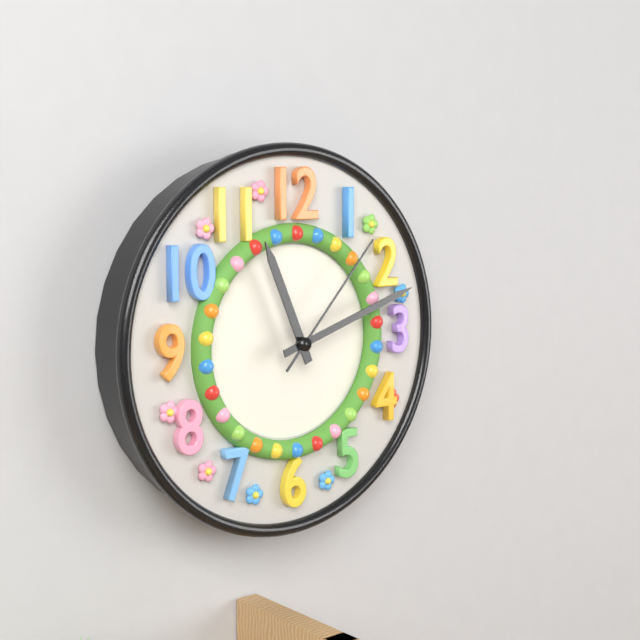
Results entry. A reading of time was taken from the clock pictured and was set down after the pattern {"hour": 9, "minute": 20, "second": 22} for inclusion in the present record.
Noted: {"hour": 11, "minute": 12, "second": 7}
